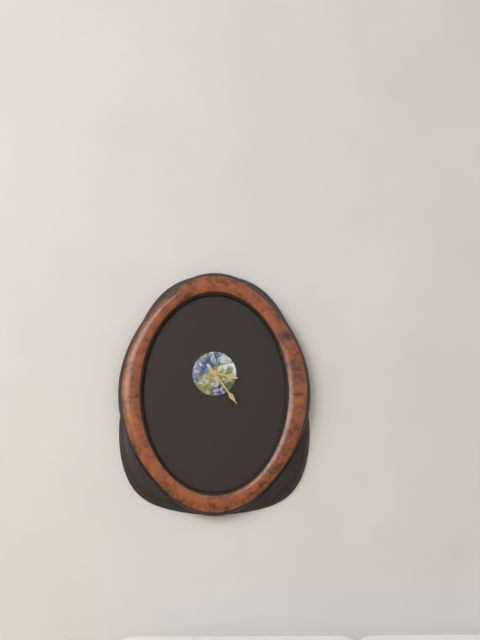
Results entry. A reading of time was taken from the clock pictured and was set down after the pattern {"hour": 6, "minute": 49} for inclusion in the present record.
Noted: {"hour": 3, "minute": 24}
